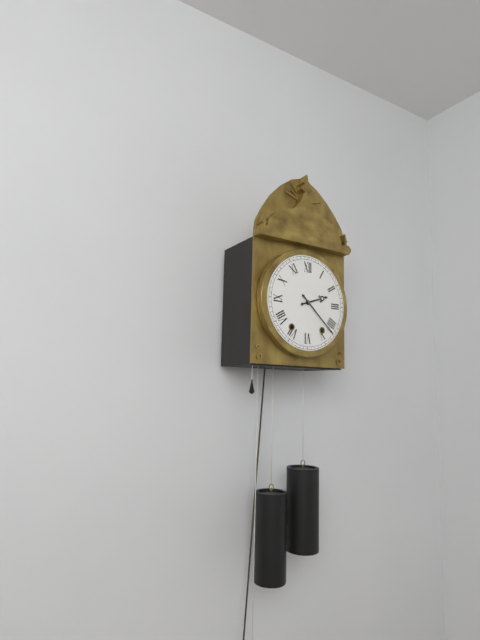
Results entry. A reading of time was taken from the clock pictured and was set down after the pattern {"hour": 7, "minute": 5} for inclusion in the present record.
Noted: {"hour": 2, "minute": 22}
